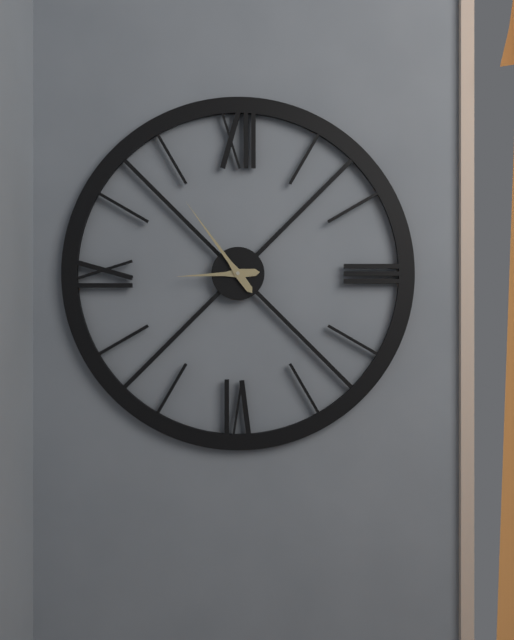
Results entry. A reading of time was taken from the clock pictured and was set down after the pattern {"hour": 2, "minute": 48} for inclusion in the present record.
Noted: {"hour": 8, "minute": 54}
